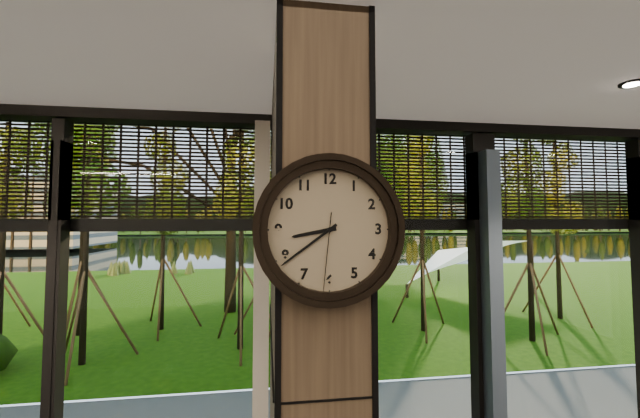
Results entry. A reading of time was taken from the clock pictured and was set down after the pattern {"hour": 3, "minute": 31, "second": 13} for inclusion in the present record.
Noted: {"hour": 8, "minute": 39, "second": 31}
